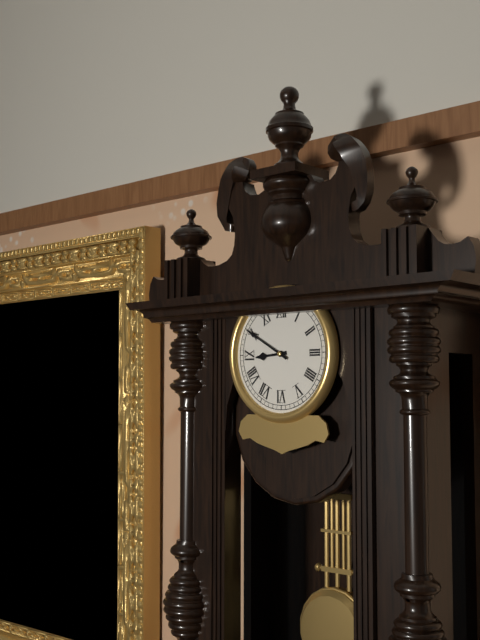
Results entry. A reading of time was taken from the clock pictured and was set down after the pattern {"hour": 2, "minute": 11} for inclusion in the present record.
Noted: {"hour": 8, "minute": 50}
